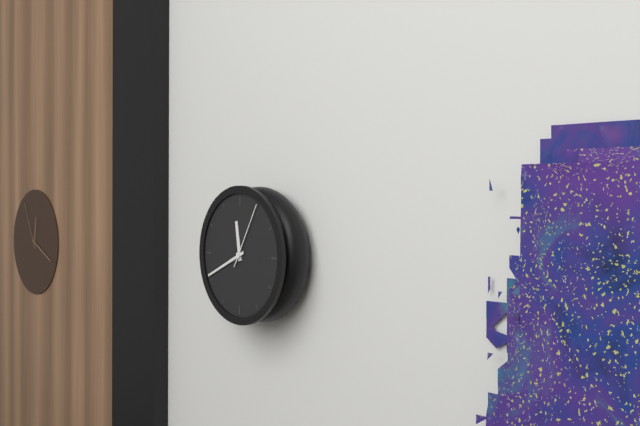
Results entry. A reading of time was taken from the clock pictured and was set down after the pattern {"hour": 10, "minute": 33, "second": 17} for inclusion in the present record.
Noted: {"hour": 11, "minute": 41, "second": 5}
